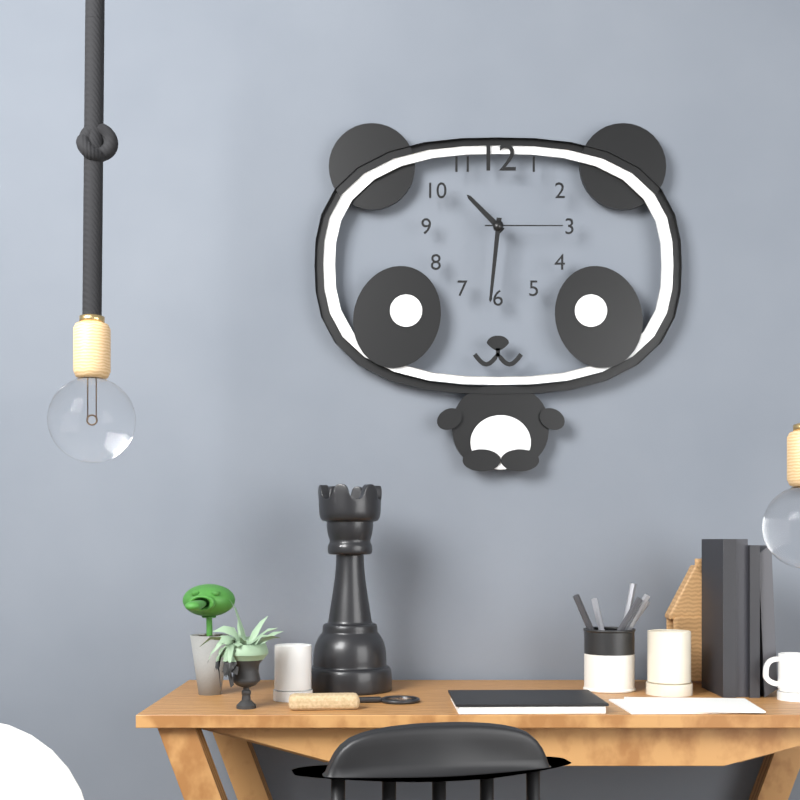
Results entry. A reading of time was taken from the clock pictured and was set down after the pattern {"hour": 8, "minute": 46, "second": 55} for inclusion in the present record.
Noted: {"hour": 10, "minute": 31, "second": 15}
